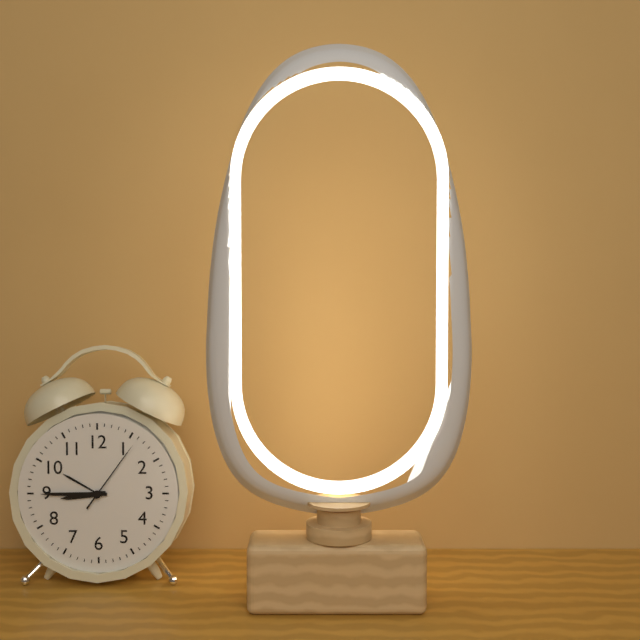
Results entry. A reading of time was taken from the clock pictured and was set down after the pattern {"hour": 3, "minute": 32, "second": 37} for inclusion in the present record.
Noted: {"hour": 8, "minute": 45, "second": 6}
